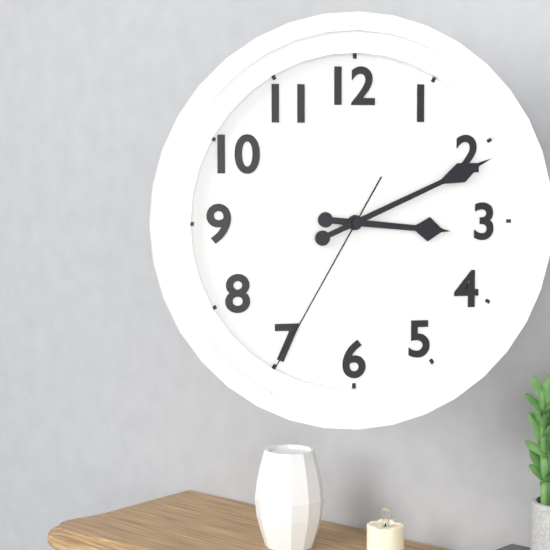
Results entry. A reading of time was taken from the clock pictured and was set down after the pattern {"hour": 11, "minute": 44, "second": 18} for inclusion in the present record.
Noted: {"hour": 3, "minute": 11, "second": 35}
